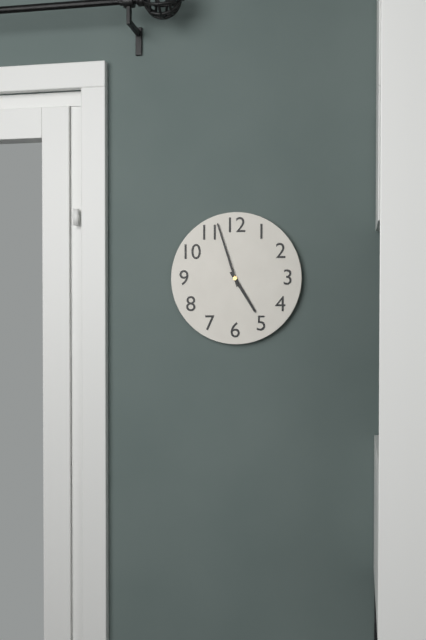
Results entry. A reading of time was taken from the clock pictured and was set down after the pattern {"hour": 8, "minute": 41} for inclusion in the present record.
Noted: {"hour": 4, "minute": 57}
